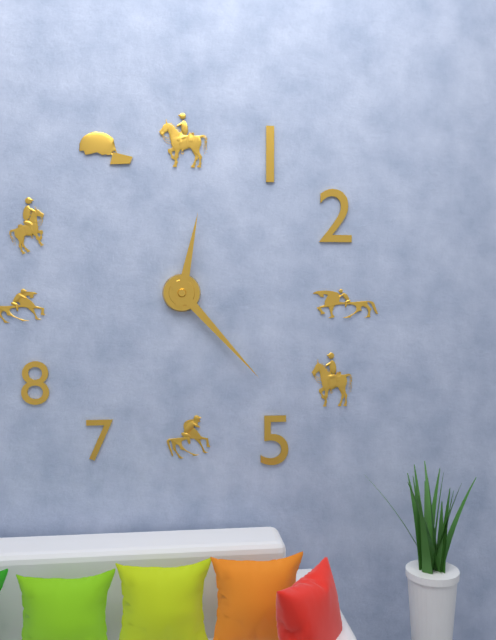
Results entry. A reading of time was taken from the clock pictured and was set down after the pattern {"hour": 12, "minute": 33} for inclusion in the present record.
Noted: {"hour": 12, "minute": 23}
